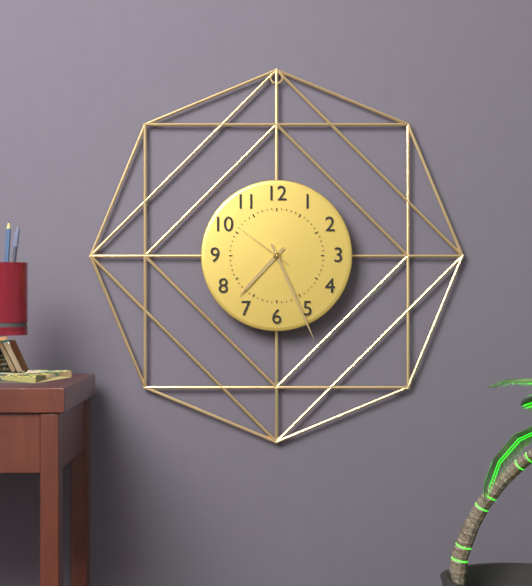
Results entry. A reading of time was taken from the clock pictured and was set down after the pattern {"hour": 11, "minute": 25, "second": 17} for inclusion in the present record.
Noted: {"hour": 7, "minute": 26, "second": 51}
